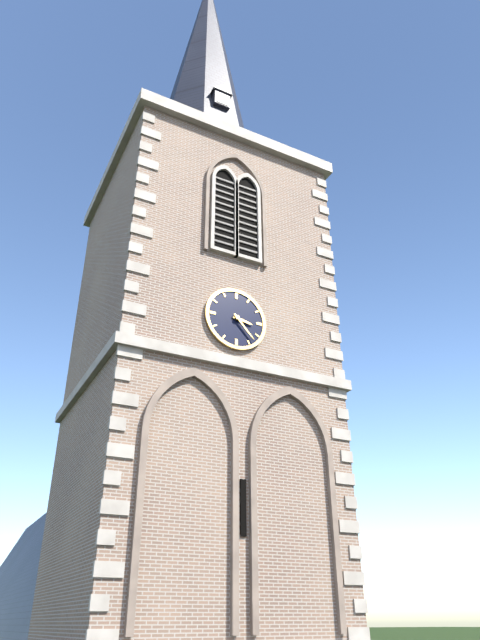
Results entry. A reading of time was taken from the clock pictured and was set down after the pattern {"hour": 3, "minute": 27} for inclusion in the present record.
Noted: {"hour": 3, "minute": 23}
